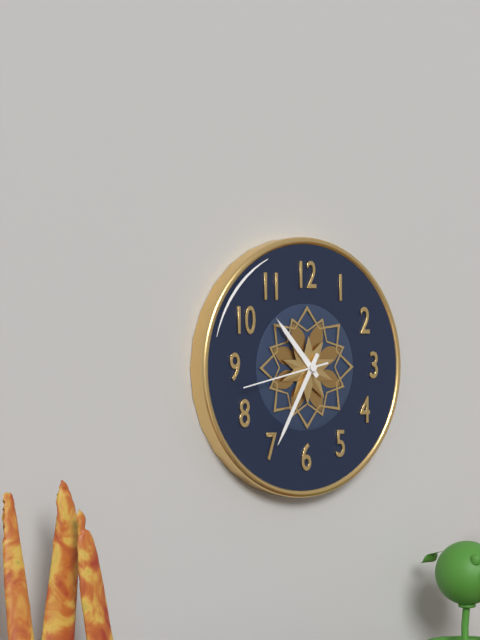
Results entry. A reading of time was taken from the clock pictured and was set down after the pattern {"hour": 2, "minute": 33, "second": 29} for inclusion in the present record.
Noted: {"hour": 10, "minute": 35, "second": 43}
